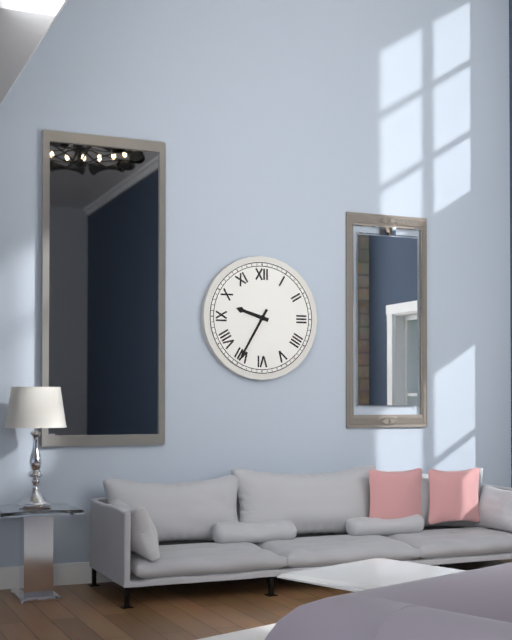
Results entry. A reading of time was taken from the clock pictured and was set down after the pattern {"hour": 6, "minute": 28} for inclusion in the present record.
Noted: {"hour": 9, "minute": 35}
